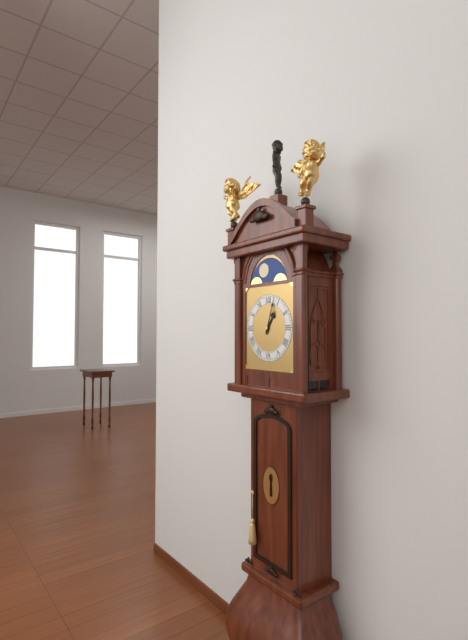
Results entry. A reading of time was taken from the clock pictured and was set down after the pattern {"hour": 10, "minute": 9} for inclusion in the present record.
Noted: {"hour": 1, "minute": 3}
